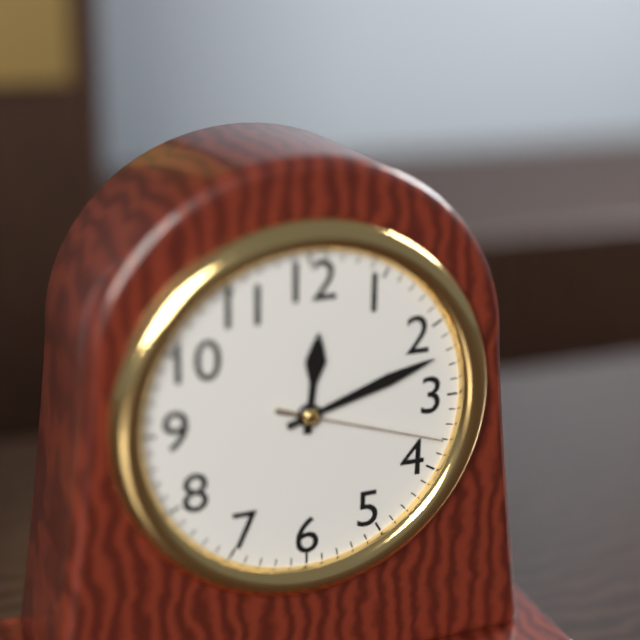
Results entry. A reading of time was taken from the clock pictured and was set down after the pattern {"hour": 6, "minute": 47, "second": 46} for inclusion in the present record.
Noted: {"hour": 12, "minute": 12, "second": 18}
